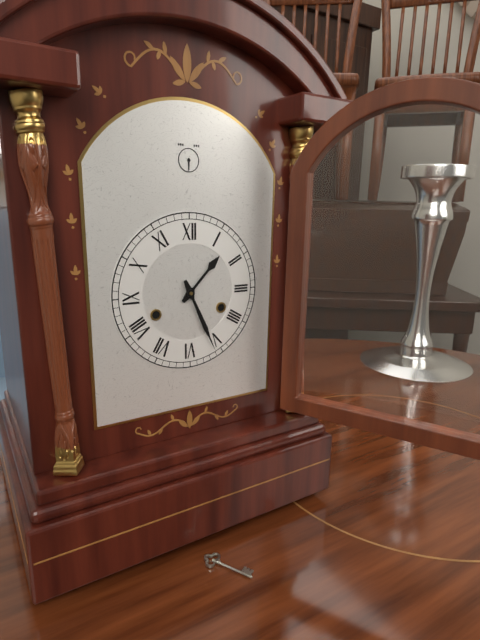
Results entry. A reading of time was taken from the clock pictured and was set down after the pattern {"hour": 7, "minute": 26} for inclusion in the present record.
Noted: {"hour": 1, "minute": 26}
